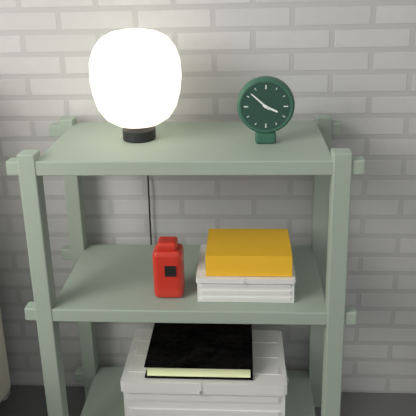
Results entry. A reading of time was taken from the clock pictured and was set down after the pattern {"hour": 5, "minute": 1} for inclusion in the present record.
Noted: {"hour": 3, "minute": 52}
